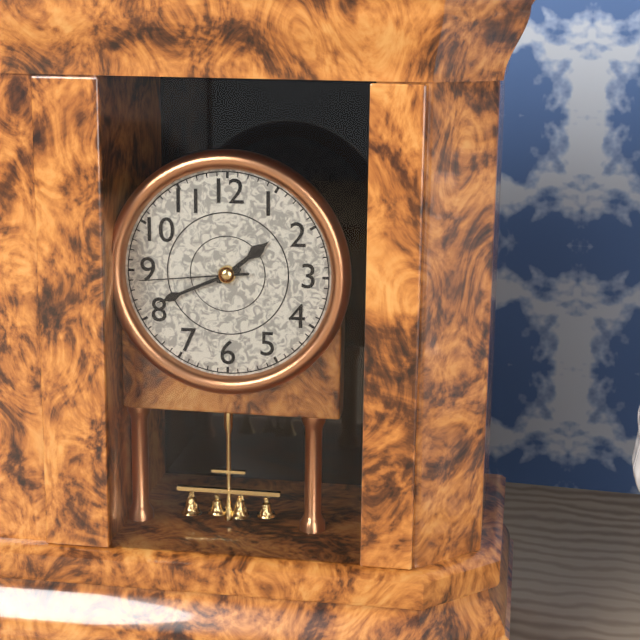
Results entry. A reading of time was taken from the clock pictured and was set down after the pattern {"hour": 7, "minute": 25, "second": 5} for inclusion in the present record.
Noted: {"hour": 1, "minute": 41, "second": 44}
